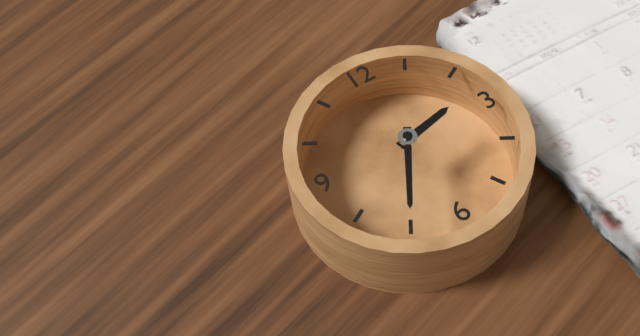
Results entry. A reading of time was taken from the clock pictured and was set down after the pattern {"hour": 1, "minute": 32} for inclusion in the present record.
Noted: {"hour": 2, "minute": 35}
